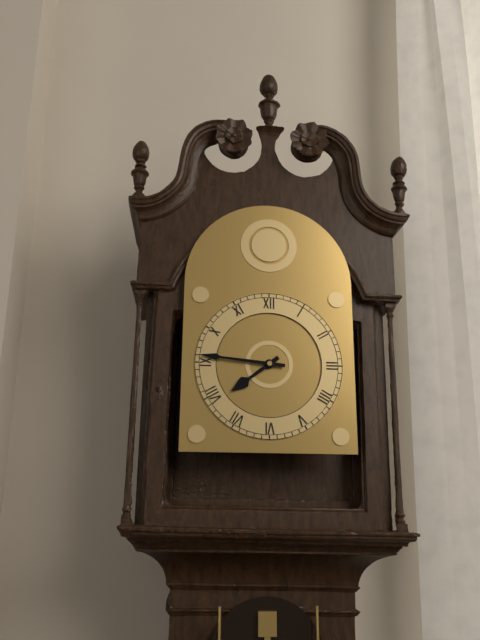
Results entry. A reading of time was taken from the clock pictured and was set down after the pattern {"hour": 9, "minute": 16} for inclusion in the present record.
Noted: {"hour": 7, "minute": 46}
